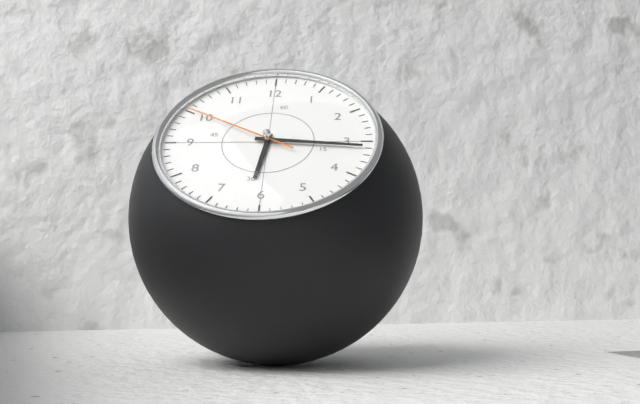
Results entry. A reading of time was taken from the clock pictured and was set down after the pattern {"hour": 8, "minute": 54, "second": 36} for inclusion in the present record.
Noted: {"hour": 6, "minute": 16, "second": 50}
